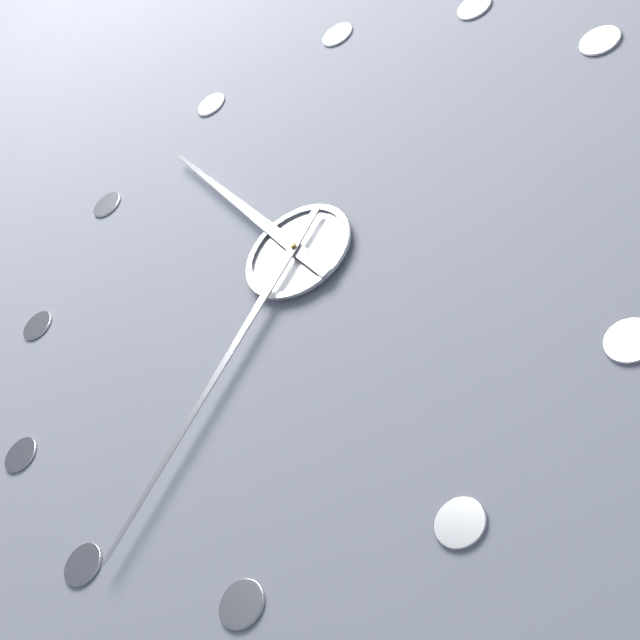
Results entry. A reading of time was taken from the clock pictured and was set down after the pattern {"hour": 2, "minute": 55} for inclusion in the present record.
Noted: {"hour": 10, "minute": 34}
